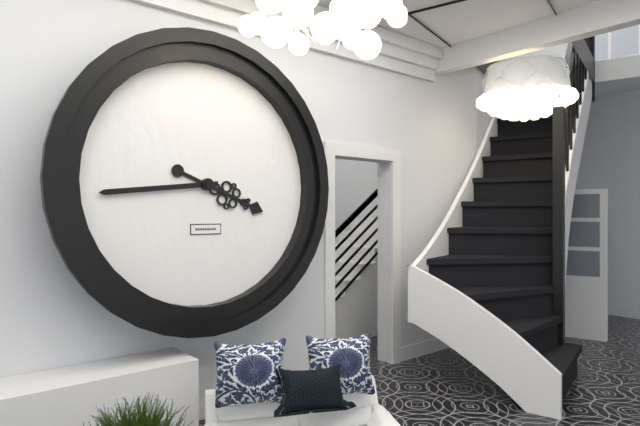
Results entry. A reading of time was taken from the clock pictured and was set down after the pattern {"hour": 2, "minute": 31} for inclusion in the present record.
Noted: {"hour": 3, "minute": 44}
